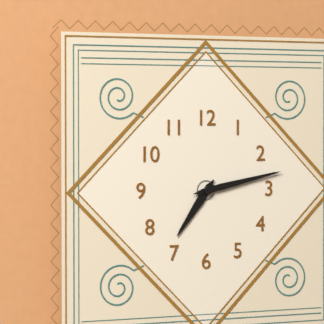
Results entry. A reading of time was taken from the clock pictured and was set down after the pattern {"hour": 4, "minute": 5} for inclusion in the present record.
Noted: {"hour": 7, "minute": 13}
